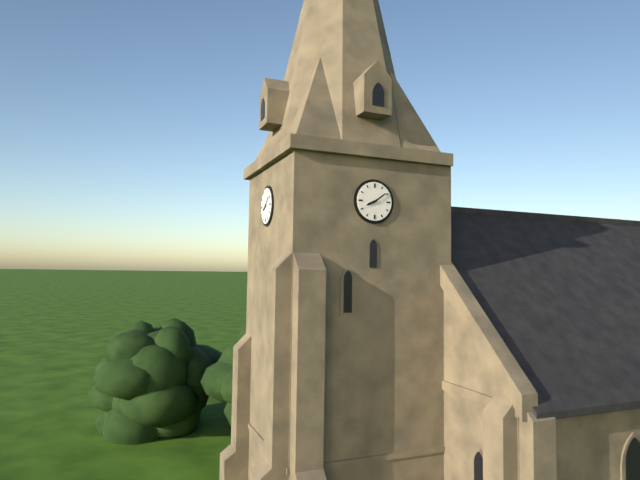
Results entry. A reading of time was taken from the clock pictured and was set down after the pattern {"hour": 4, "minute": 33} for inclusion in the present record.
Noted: {"hour": 8, "minute": 9}
